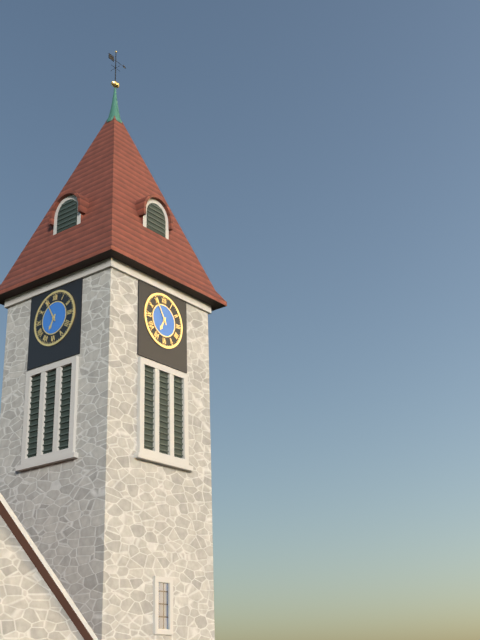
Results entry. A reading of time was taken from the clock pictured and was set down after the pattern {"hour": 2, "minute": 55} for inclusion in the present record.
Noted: {"hour": 6, "minute": 55}
